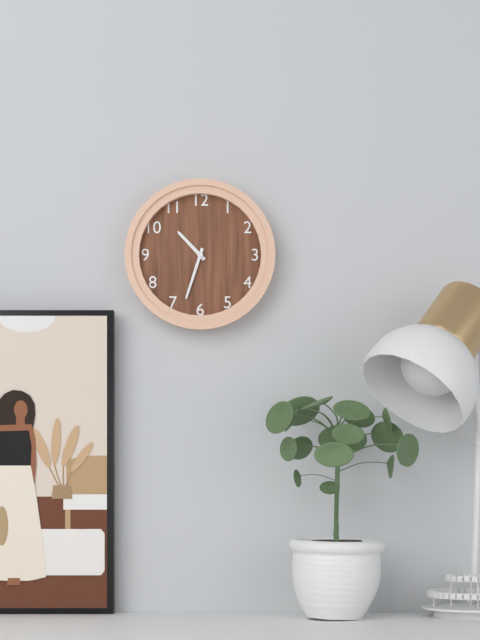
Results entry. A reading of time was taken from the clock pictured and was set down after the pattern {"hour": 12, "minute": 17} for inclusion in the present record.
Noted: {"hour": 10, "minute": 33}
